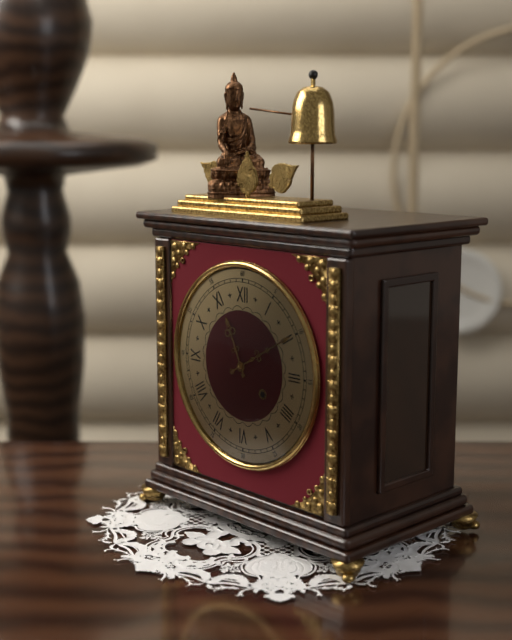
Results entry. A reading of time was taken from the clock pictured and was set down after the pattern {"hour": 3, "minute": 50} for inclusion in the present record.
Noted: {"hour": 11, "minute": 10}
